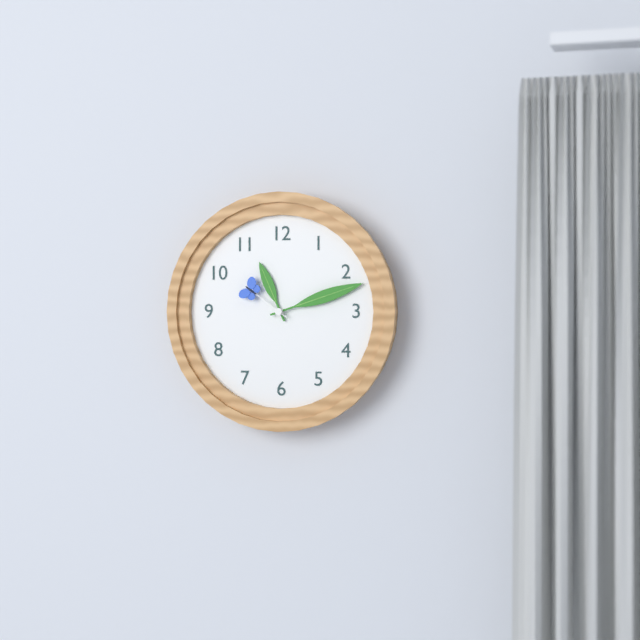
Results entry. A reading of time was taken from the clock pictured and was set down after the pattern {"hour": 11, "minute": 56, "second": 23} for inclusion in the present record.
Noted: {"hour": 11, "minute": 12, "second": 51}
